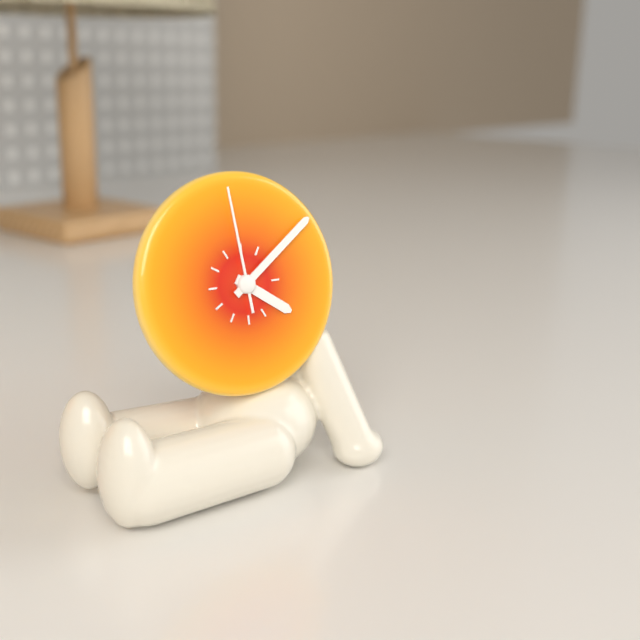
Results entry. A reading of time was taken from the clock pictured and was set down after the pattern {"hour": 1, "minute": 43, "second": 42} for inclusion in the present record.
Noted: {"hour": 4, "minute": 9, "second": 59}
